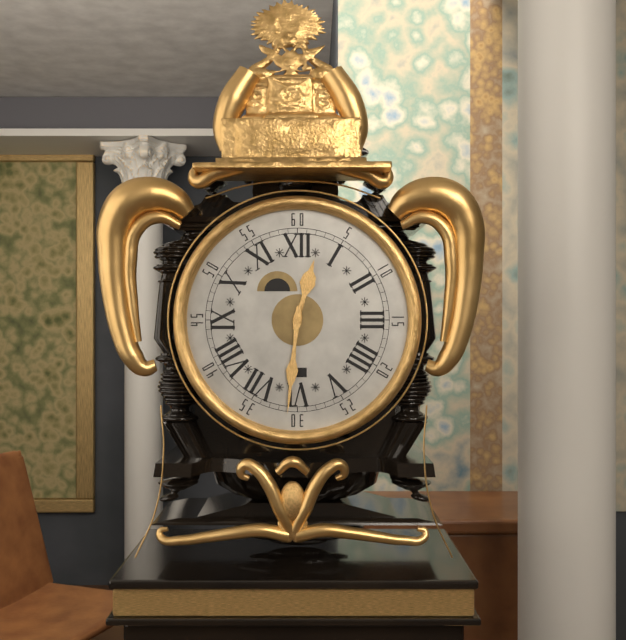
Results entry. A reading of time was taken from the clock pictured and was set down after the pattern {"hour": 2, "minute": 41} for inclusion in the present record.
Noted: {"hour": 12, "minute": 31}
